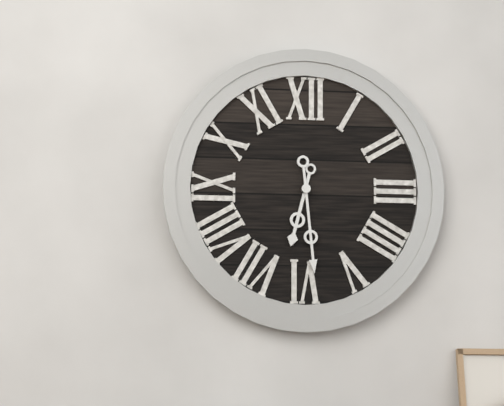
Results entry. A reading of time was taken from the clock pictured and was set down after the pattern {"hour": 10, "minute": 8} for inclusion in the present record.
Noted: {"hour": 6, "minute": 29}
